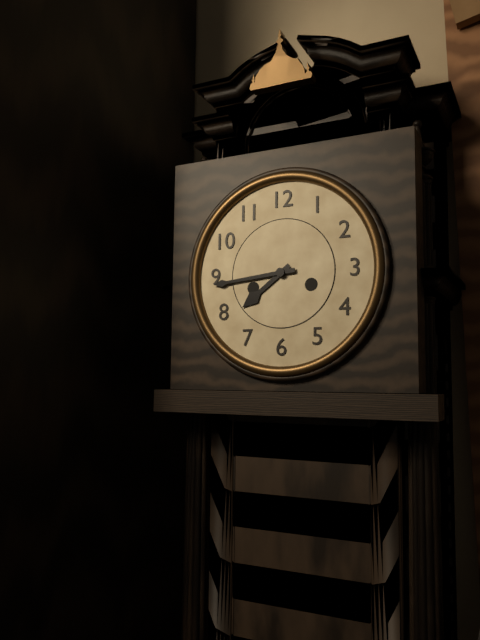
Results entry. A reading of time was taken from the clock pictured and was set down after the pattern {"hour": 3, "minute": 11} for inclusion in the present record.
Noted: {"hour": 7, "minute": 44}
